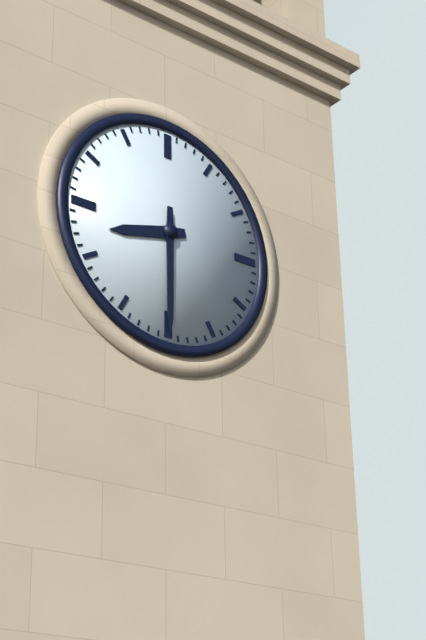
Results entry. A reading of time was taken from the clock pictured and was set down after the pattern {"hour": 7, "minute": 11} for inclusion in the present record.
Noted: {"hour": 8, "minute": 30}
